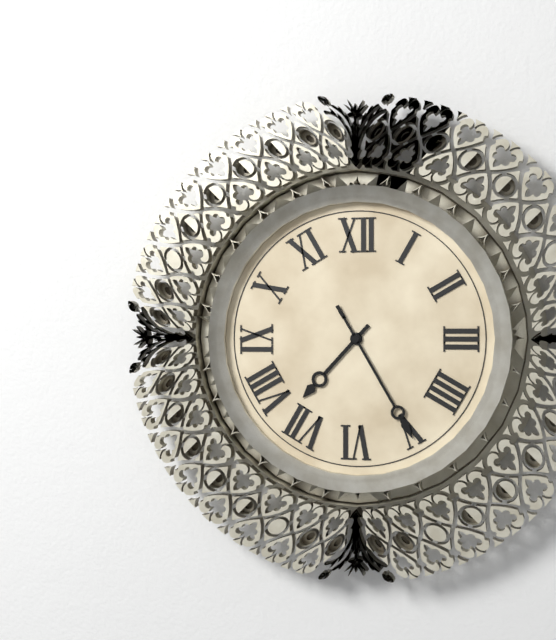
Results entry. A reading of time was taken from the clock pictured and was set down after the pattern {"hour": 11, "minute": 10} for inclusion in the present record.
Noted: {"hour": 7, "minute": 25}
